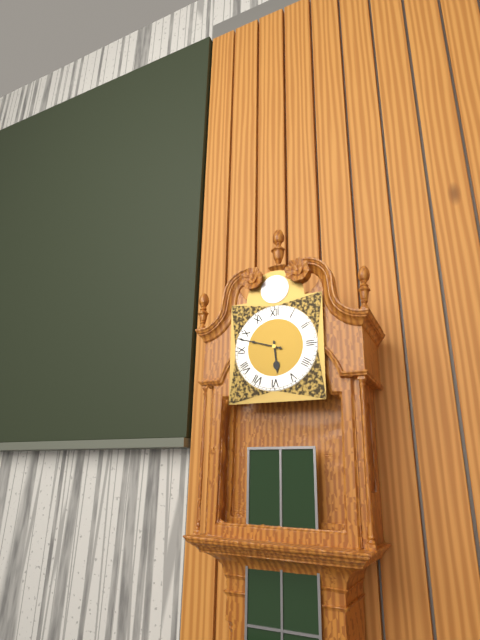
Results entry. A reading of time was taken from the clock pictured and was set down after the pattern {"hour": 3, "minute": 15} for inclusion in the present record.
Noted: {"hour": 5, "minute": 48}
